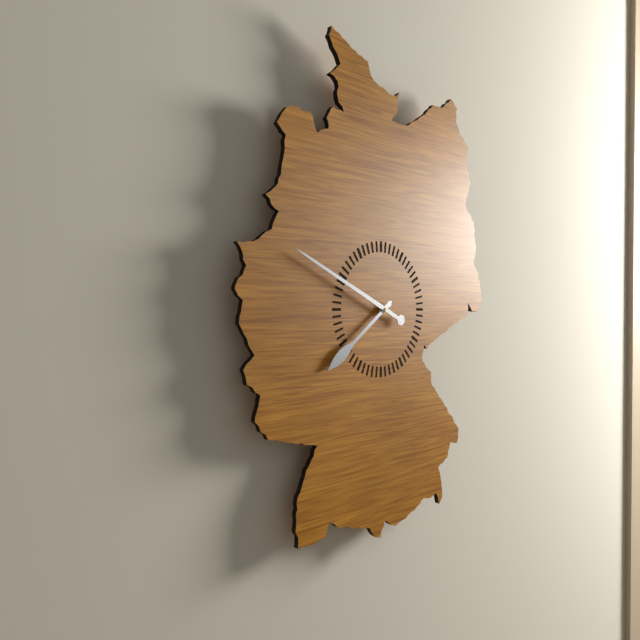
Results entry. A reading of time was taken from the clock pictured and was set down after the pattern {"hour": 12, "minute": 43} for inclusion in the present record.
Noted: {"hour": 7, "minute": 49}
